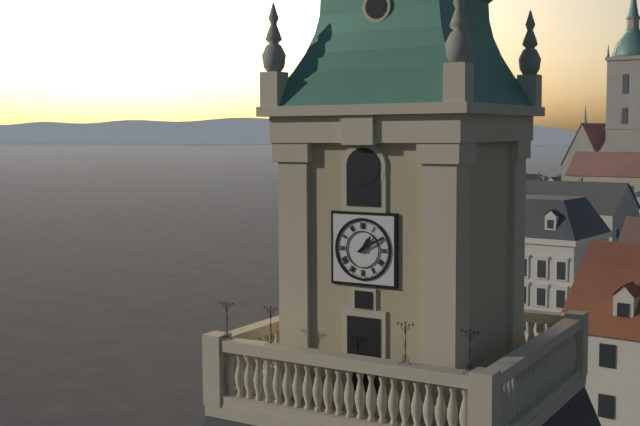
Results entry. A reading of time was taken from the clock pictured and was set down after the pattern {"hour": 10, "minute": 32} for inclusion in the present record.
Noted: {"hour": 1, "minute": 10}
